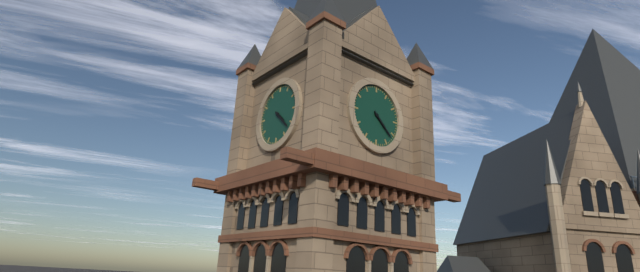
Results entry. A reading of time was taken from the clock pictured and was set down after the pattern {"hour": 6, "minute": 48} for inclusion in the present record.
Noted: {"hour": 4, "minute": 22}
